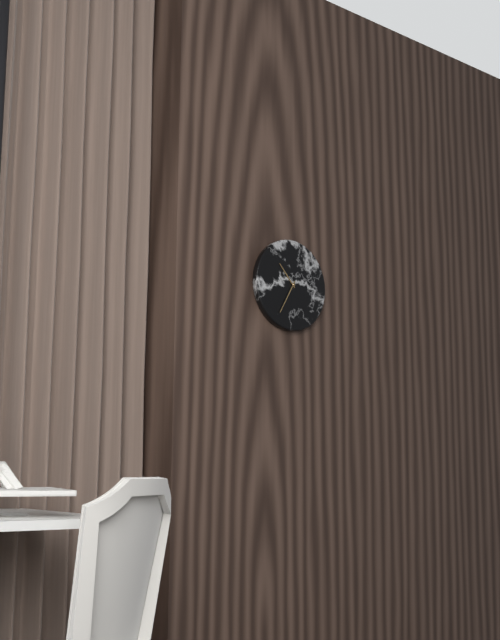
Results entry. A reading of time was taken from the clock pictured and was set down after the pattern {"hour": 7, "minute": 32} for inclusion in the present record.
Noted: {"hour": 10, "minute": 35}
